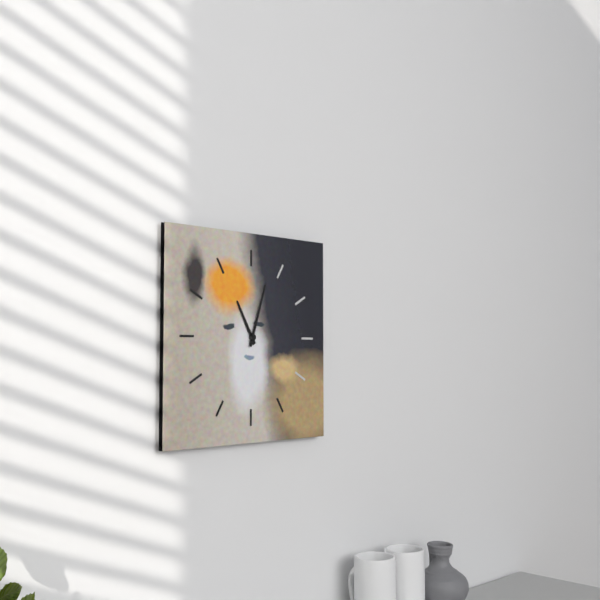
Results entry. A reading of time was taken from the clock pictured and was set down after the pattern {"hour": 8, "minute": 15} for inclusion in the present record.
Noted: {"hour": 11, "minute": 3}
